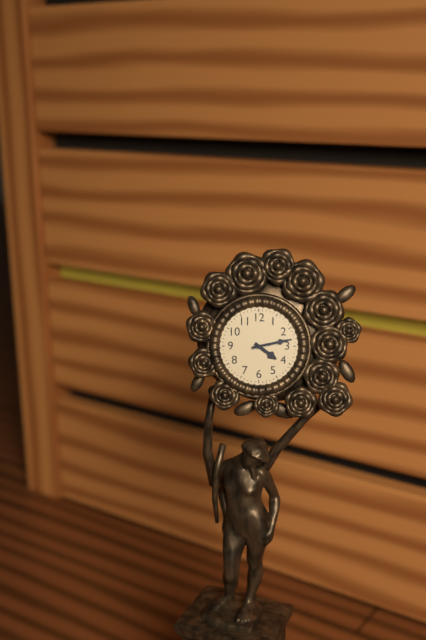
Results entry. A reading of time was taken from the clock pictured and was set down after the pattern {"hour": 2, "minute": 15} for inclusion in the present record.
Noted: {"hour": 4, "minute": 13}
